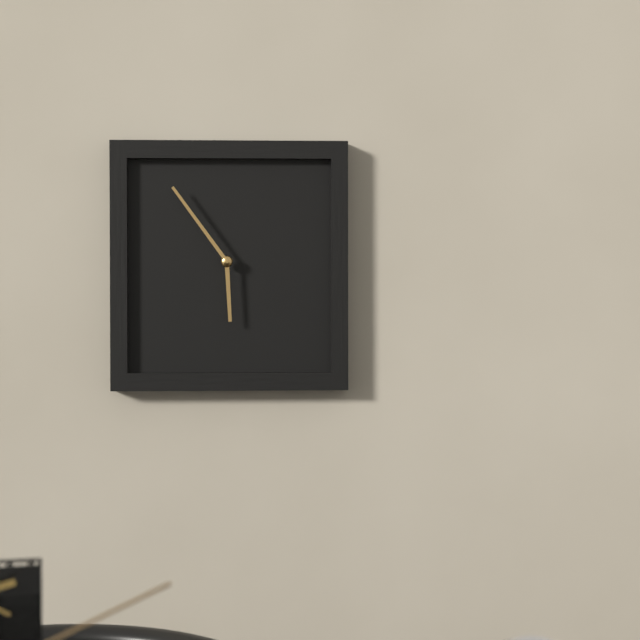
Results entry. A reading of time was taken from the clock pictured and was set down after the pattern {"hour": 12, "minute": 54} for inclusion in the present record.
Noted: {"hour": 5, "minute": 54}
